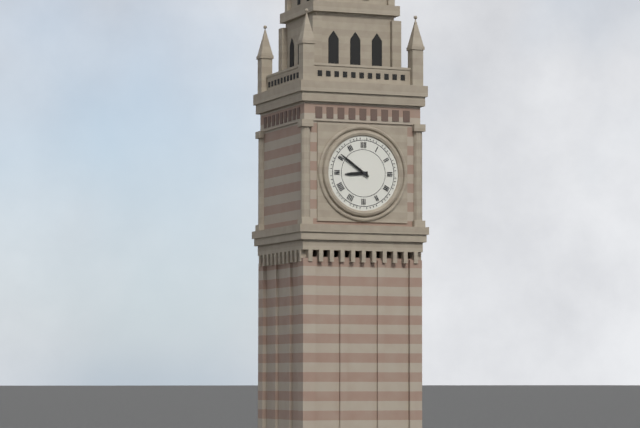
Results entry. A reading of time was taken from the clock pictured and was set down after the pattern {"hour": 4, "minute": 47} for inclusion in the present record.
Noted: {"hour": 8, "minute": 51}
